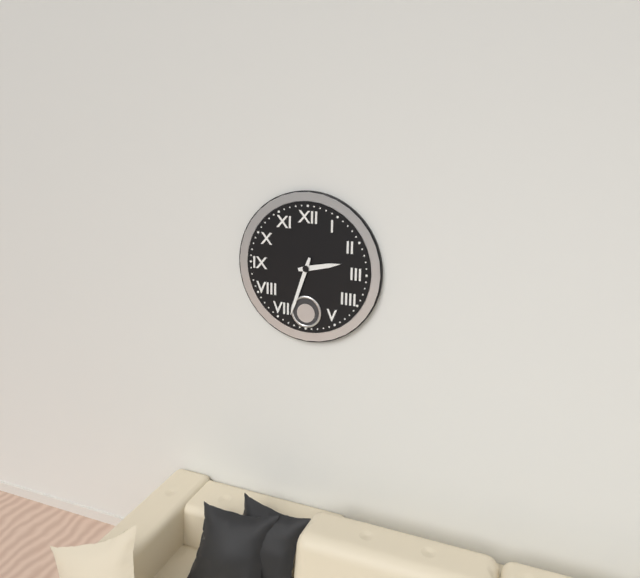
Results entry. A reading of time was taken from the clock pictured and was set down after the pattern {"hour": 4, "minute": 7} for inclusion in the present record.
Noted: {"hour": 2, "minute": 33}
